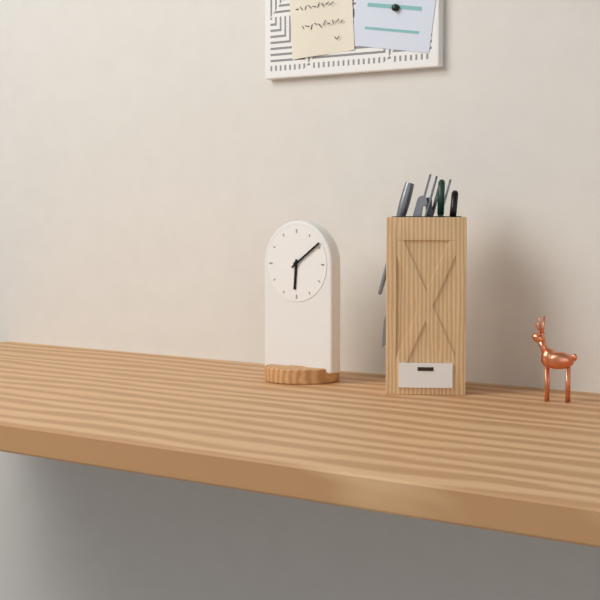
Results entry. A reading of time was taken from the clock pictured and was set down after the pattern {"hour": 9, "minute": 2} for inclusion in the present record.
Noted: {"hour": 6, "minute": 9}
